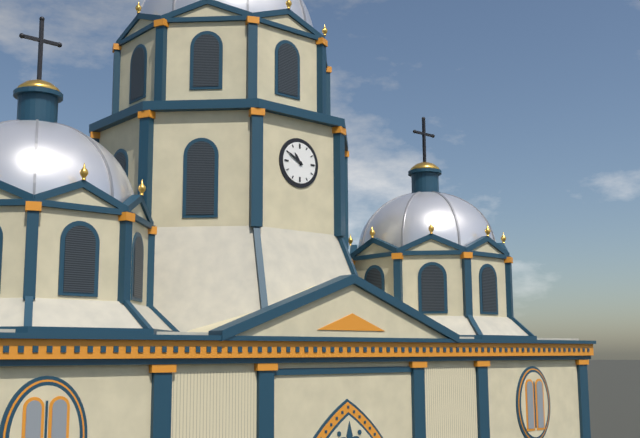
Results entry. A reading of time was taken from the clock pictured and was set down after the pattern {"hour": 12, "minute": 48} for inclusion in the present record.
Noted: {"hour": 10, "minute": 50}
